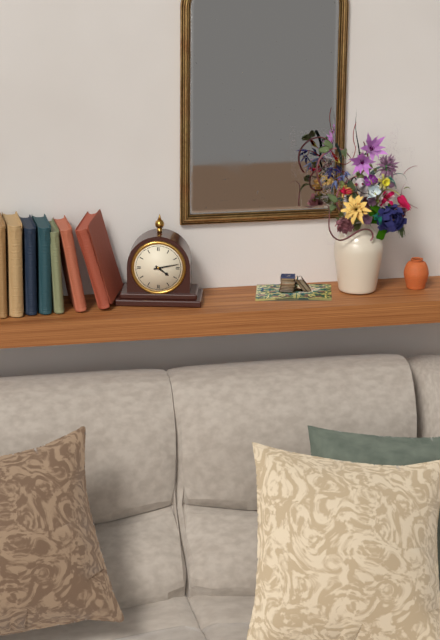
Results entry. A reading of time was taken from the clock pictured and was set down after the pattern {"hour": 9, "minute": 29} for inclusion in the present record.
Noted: {"hour": 4, "minute": 13}
